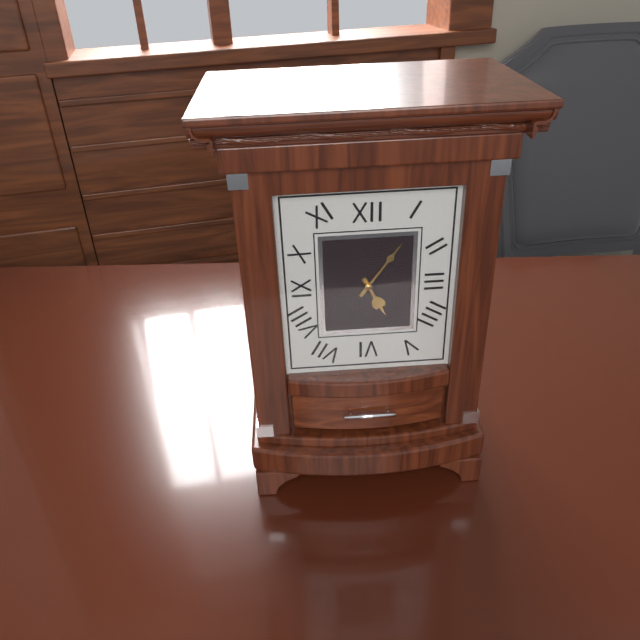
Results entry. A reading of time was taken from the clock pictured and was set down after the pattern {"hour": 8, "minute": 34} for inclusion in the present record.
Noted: {"hour": 5, "minute": 6}
